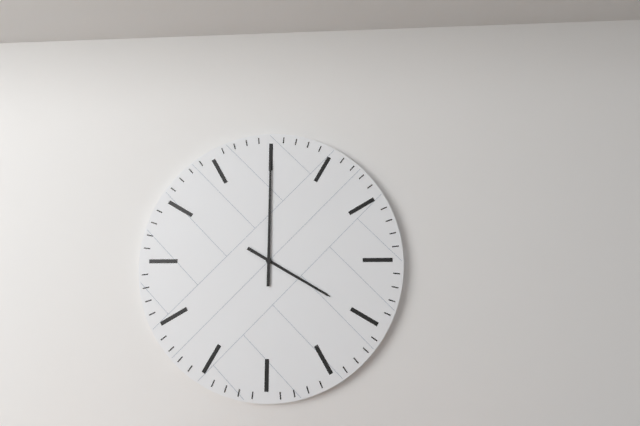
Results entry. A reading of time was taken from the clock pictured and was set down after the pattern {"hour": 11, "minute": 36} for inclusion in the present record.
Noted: {"hour": 4, "minute": 0}
